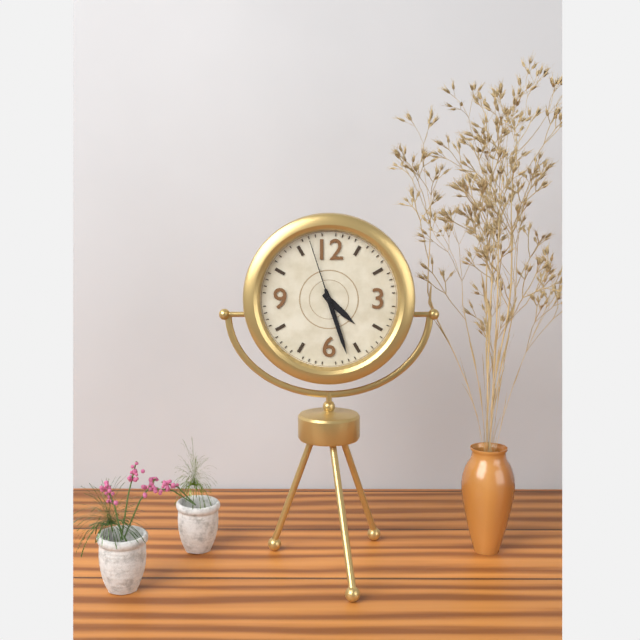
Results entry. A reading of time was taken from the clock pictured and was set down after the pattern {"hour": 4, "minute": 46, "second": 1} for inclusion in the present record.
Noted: {"hour": 4, "minute": 27, "second": 57}
